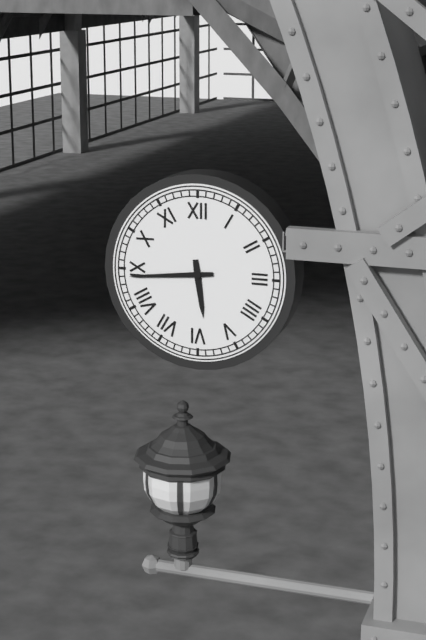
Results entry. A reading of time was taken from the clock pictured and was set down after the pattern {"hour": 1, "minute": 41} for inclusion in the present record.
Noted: {"hour": 5, "minute": 44}
